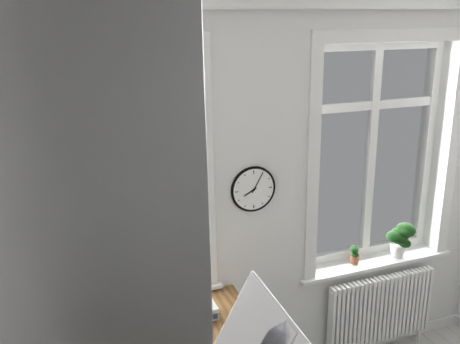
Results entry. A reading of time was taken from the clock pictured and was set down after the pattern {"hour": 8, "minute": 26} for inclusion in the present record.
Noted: {"hour": 8, "minute": 5}
